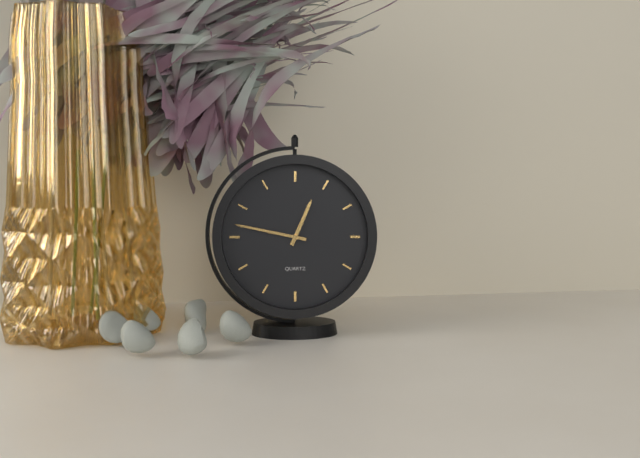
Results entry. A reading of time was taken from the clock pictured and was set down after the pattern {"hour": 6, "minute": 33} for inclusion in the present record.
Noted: {"hour": 12, "minute": 47}
